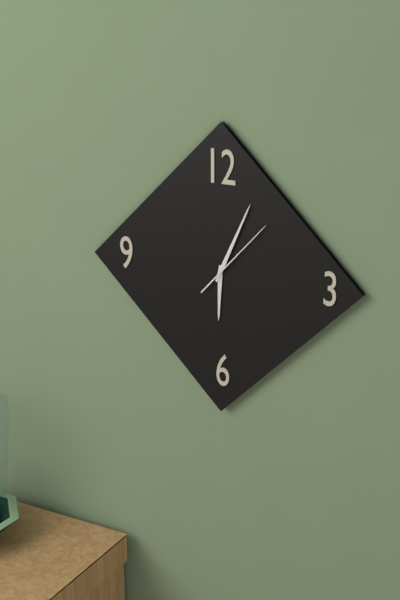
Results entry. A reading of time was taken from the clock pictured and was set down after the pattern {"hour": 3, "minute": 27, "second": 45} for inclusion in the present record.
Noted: {"hour": 6, "minute": 4, "second": 7}
